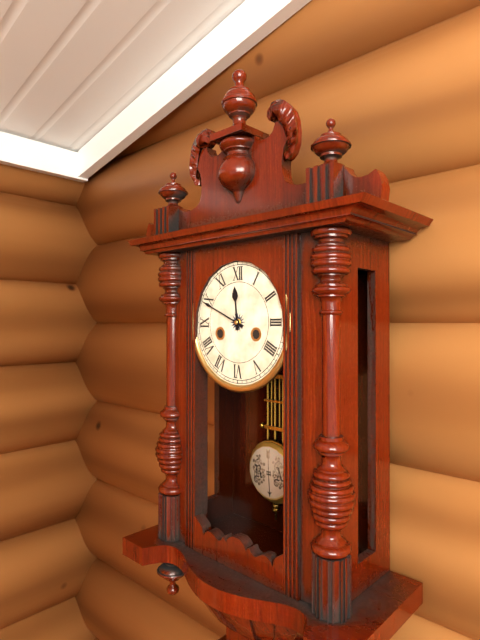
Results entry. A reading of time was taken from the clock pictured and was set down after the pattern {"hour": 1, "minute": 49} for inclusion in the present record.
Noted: {"hour": 11, "minute": 49}
